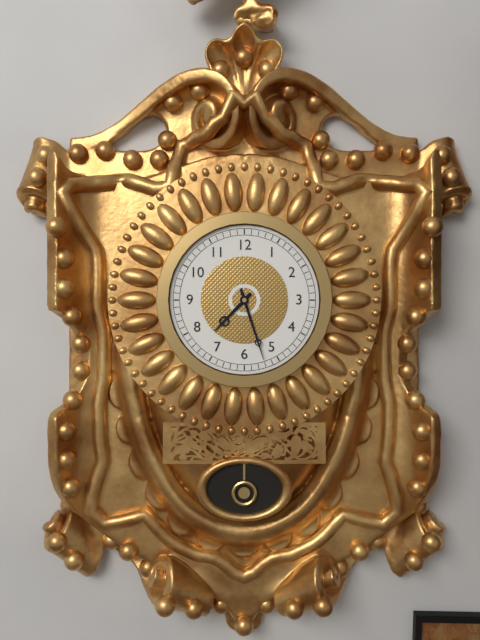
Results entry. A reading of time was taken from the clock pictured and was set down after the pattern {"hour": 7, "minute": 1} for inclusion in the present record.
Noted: {"hour": 7, "minute": 27}
